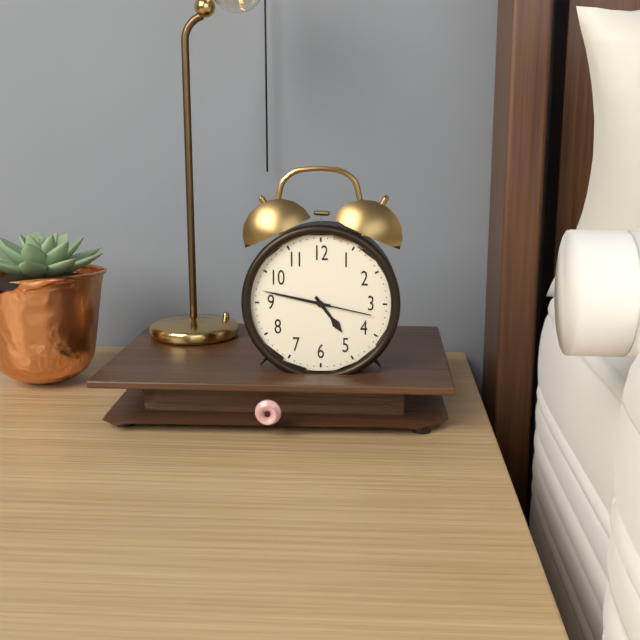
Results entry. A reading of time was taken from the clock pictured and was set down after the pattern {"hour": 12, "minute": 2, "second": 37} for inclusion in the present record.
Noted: {"hour": 4, "minute": 47, "second": 17}
